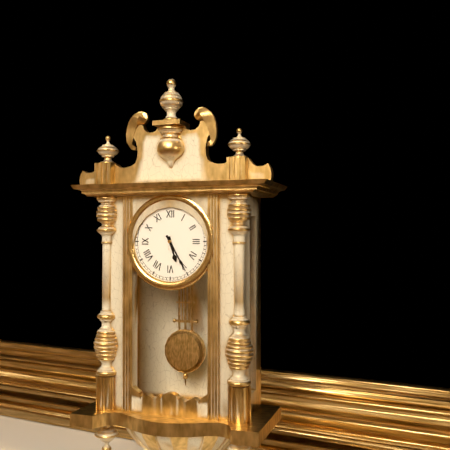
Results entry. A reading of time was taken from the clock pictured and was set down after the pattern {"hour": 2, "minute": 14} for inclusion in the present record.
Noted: {"hour": 5, "minute": 25}
